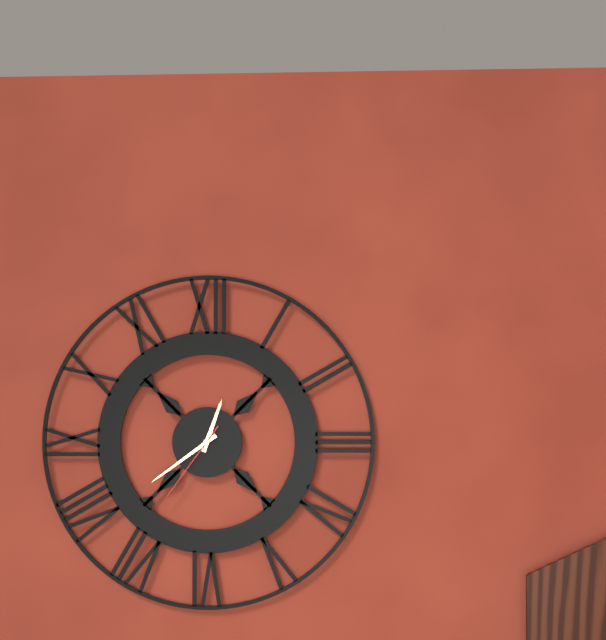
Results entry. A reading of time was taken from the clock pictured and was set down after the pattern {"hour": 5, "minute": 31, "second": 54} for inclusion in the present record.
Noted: {"hour": 12, "minute": 39, "second": 36}
